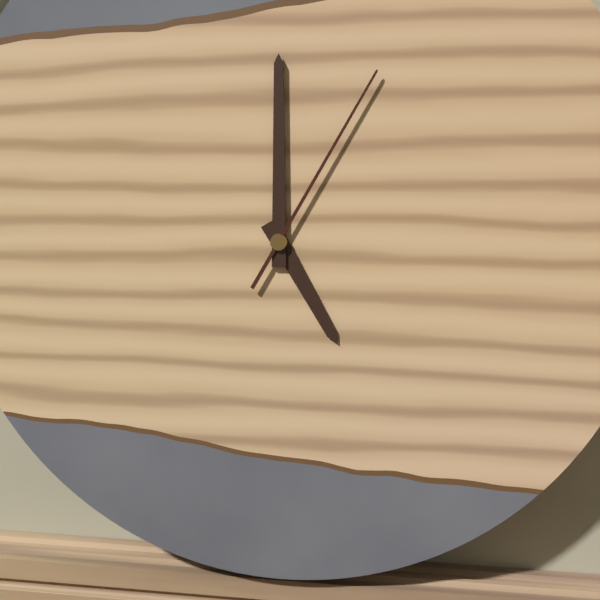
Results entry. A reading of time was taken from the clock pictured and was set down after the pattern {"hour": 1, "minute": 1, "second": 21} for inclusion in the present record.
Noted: {"hour": 5, "minute": 0, "second": 5}
